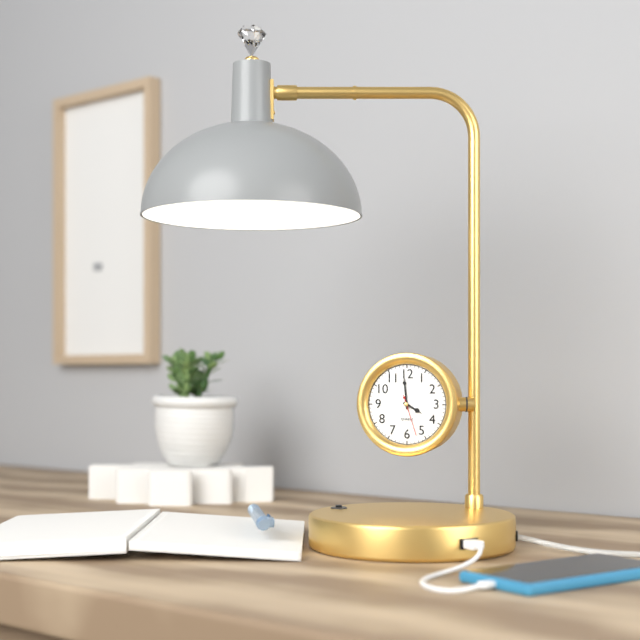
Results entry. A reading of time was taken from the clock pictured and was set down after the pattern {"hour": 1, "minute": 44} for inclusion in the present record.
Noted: {"hour": 3, "minute": 59}
